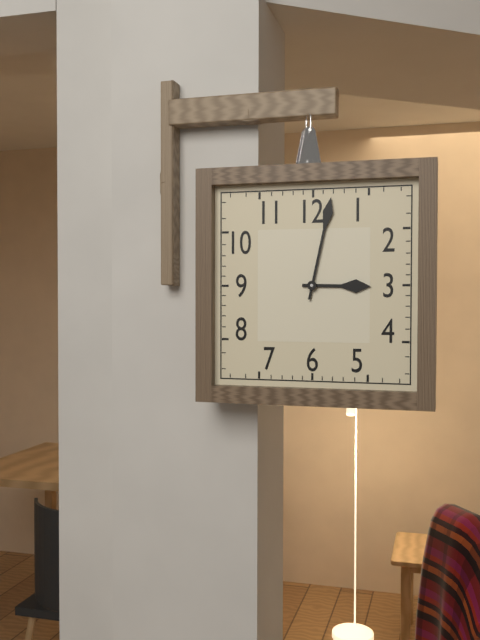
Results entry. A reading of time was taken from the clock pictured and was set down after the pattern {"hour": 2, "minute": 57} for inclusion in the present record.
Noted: {"hour": 3, "minute": 2}
